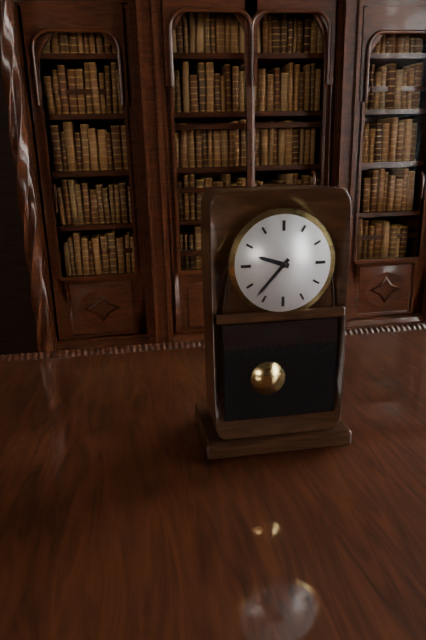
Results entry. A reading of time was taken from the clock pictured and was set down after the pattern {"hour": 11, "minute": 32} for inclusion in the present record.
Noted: {"hour": 9, "minute": 37}
